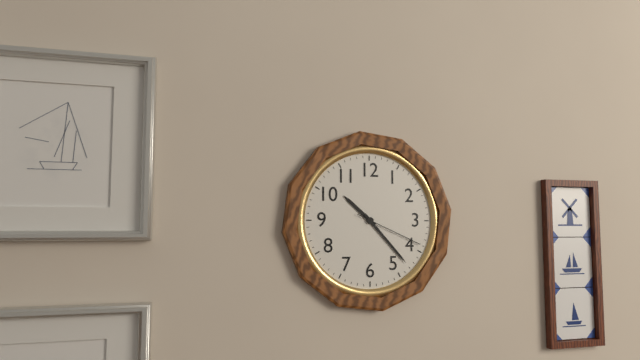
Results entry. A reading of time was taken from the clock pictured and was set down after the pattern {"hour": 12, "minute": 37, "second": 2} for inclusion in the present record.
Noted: {"hour": 10, "minute": 23, "second": 19}
